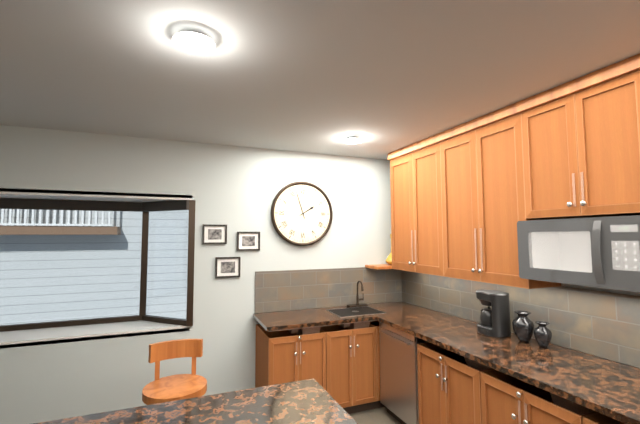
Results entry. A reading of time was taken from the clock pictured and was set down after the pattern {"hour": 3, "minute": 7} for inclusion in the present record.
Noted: {"hour": 1, "minute": 57}
